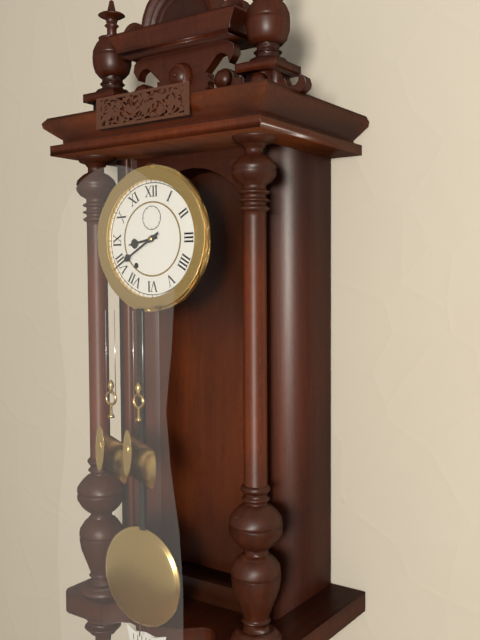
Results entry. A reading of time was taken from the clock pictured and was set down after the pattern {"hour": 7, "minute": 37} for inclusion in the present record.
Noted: {"hour": 8, "minute": 40}
